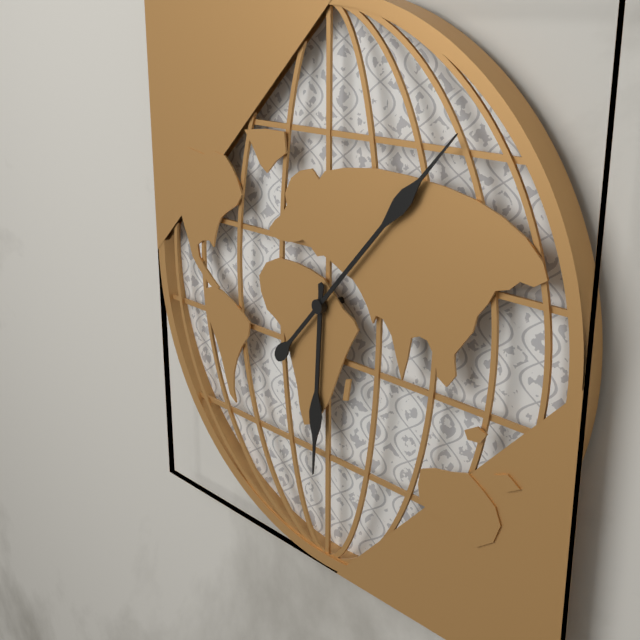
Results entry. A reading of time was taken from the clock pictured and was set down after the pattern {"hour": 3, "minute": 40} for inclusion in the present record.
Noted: {"hour": 6, "minute": 7}
